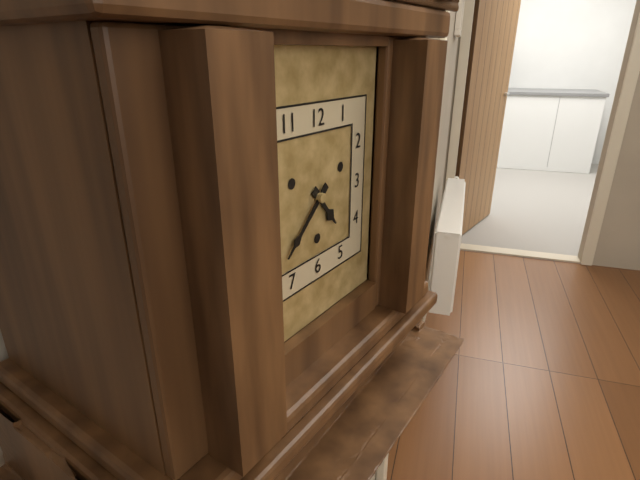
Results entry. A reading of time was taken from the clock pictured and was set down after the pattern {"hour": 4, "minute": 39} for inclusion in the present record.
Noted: {"hour": 4, "minute": 38}
